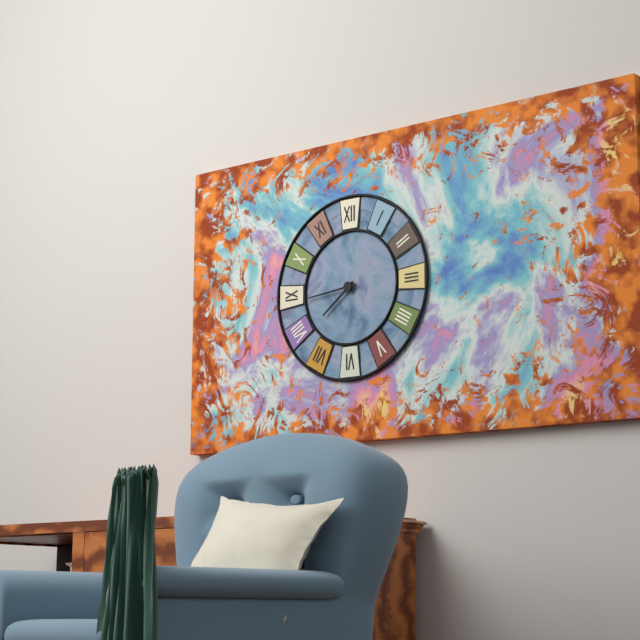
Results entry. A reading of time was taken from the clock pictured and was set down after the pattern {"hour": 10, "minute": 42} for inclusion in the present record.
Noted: {"hour": 7, "minute": 44}
